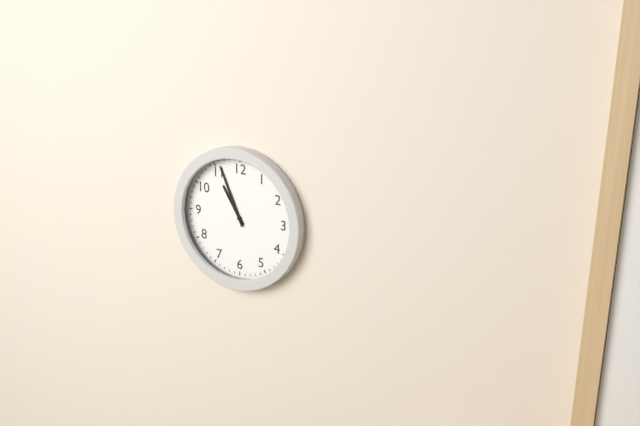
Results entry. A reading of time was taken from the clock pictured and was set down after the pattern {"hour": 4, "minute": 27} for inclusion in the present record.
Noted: {"hour": 10, "minute": 56}
